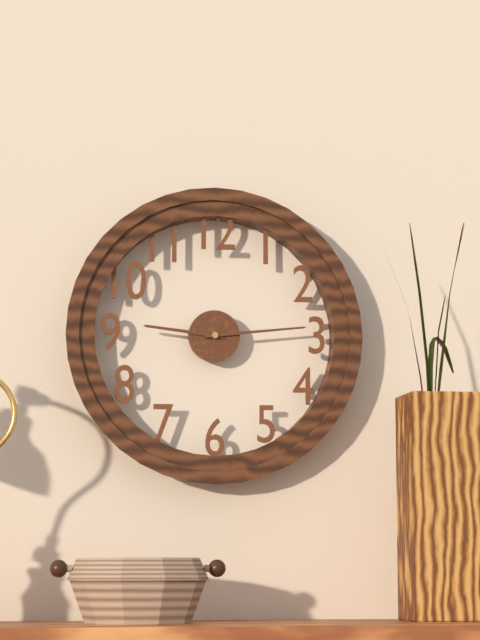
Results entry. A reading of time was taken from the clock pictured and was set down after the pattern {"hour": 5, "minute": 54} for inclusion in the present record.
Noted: {"hour": 9, "minute": 14}
